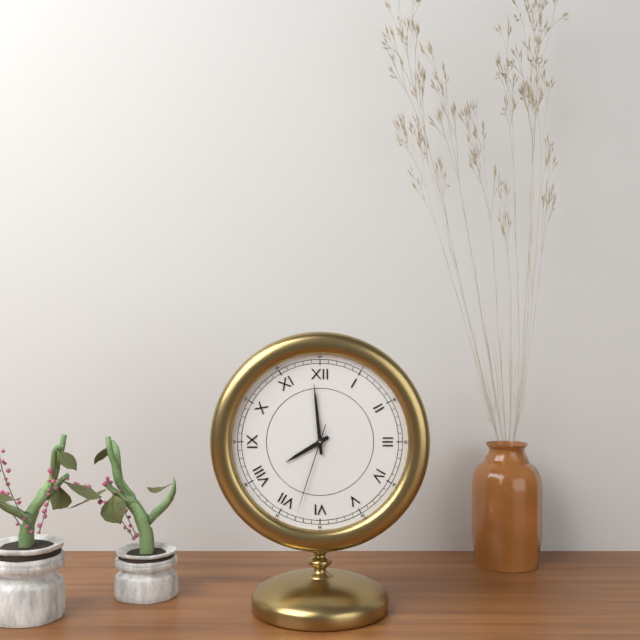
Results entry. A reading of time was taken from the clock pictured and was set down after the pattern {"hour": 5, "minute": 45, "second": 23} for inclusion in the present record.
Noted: {"hour": 7, "minute": 59, "second": 33}
